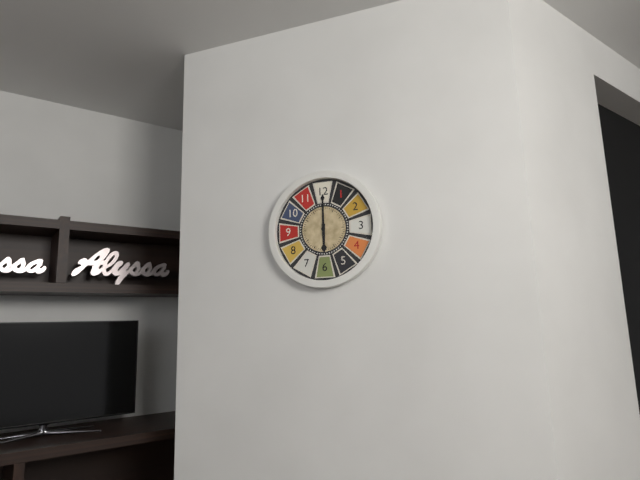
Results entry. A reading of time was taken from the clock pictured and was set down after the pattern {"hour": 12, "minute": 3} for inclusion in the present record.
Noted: {"hour": 6, "minute": 0}
